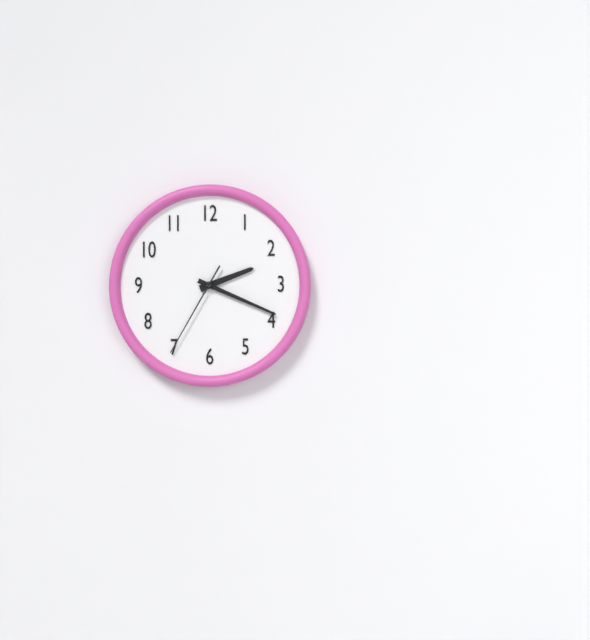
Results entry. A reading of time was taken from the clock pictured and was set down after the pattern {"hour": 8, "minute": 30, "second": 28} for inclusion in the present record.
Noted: {"hour": 2, "minute": 19, "second": 35}
